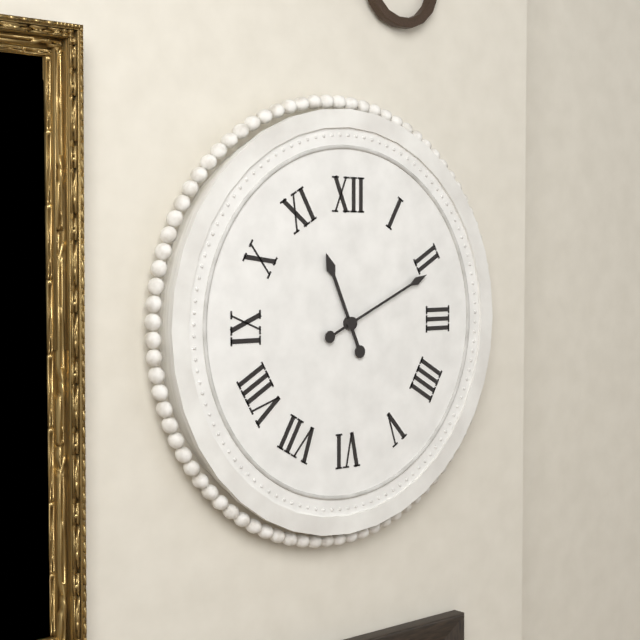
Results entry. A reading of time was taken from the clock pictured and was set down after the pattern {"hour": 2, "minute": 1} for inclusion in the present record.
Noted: {"hour": 11, "minute": 11}
